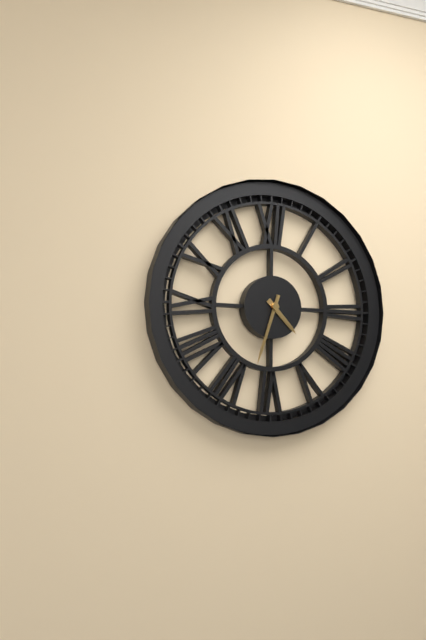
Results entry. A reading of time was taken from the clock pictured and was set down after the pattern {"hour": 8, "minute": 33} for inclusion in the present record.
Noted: {"hour": 4, "minute": 33}
